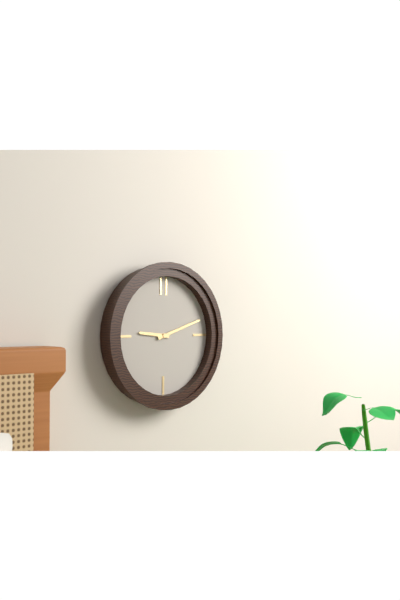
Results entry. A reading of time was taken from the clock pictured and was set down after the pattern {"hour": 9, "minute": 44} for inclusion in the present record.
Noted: {"hour": 9, "minute": 12}
